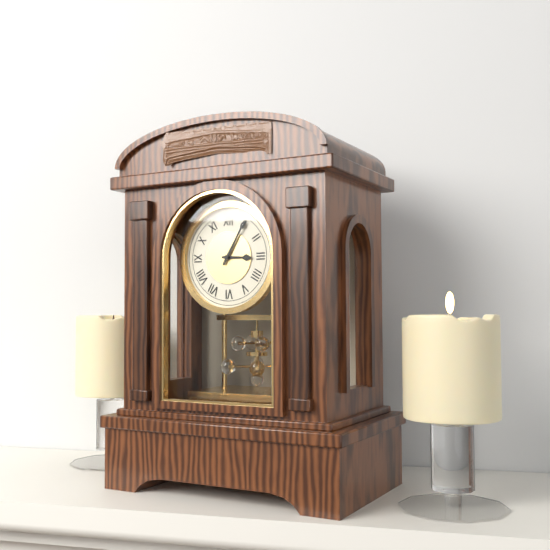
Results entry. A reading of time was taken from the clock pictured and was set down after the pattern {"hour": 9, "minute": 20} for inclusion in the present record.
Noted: {"hour": 3, "minute": 5}
